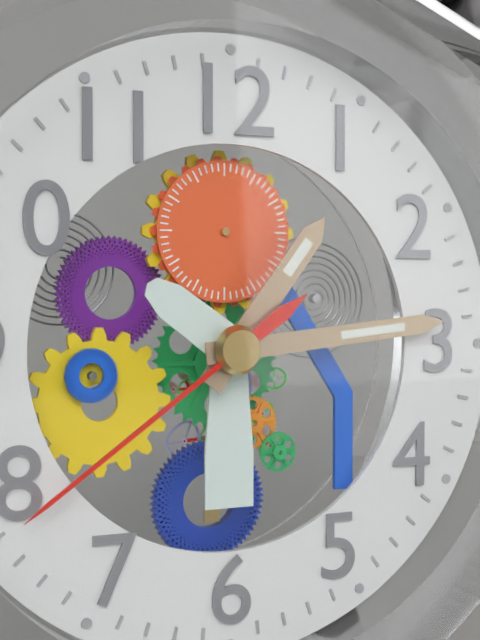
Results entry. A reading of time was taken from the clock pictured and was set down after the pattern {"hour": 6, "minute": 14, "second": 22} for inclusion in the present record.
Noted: {"hour": 1, "minute": 14, "second": 39}
